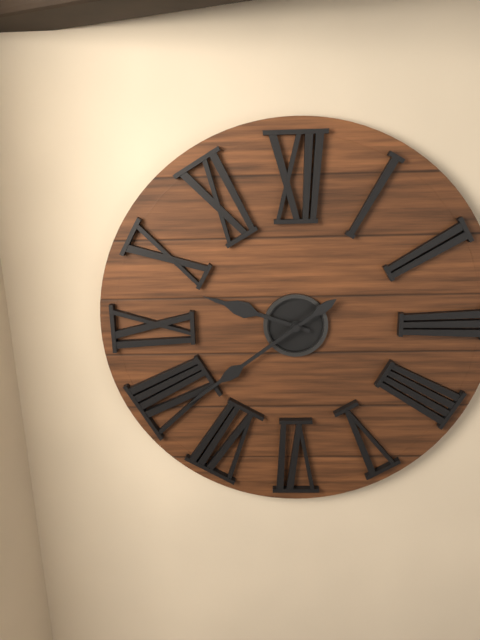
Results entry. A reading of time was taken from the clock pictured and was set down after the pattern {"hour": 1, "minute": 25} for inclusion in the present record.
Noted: {"hour": 9, "minute": 39}
